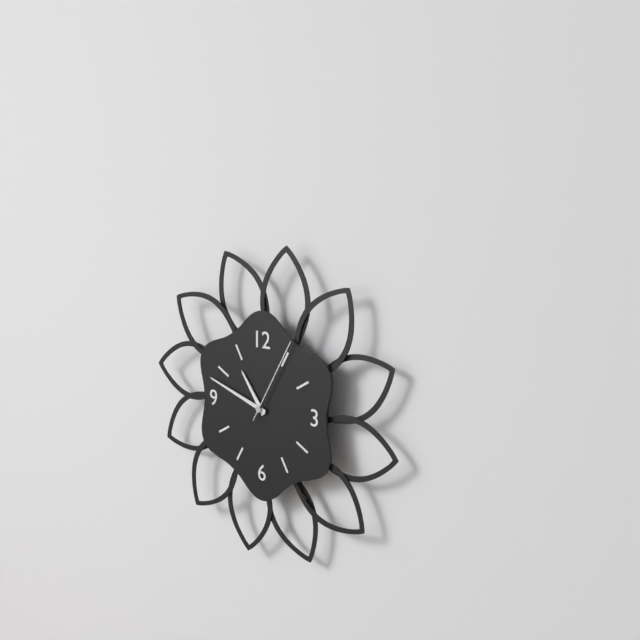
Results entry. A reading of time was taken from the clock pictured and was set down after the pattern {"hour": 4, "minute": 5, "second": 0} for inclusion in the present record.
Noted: {"hour": 10, "minute": 48, "second": 5}
